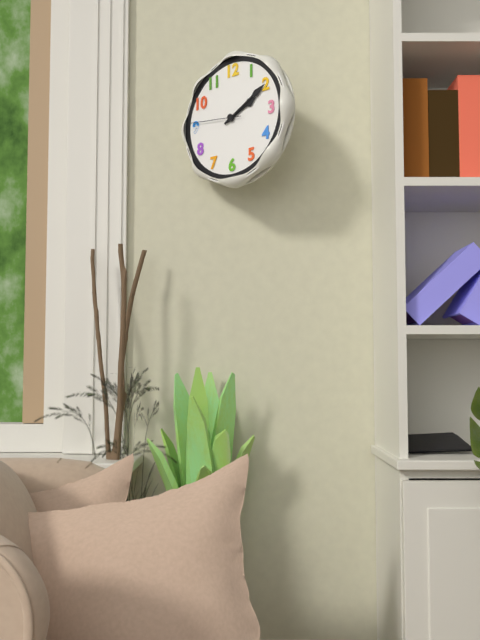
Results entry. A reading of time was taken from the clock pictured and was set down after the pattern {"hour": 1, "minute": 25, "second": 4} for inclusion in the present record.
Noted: {"hour": 2, "minute": 10, "second": 46}
